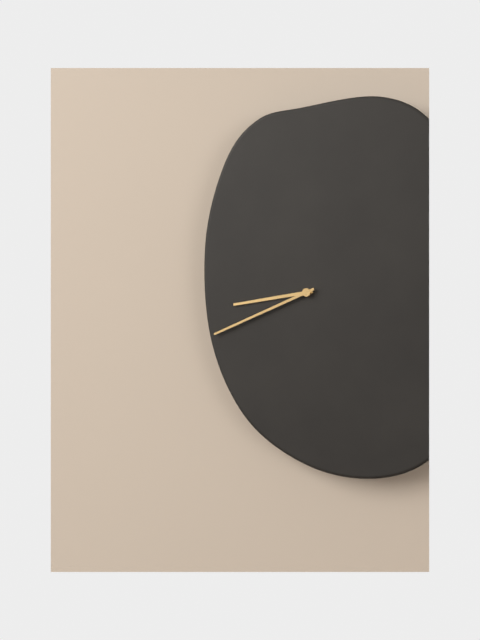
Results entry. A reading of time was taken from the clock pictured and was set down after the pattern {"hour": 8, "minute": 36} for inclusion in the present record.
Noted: {"hour": 8, "minute": 41}
